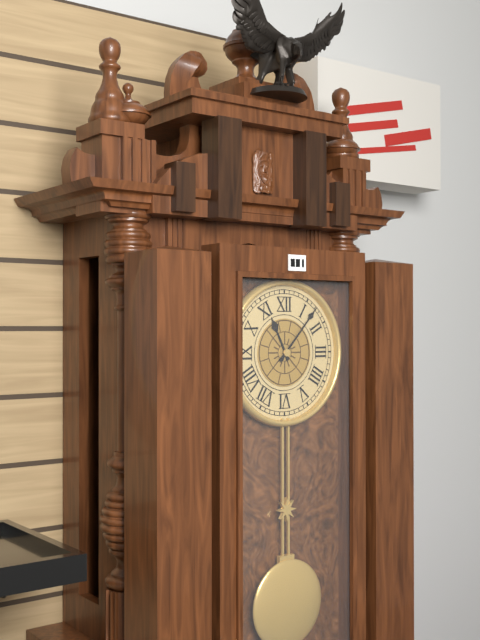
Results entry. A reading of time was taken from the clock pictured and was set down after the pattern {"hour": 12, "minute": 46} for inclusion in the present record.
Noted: {"hour": 11, "minute": 7}
